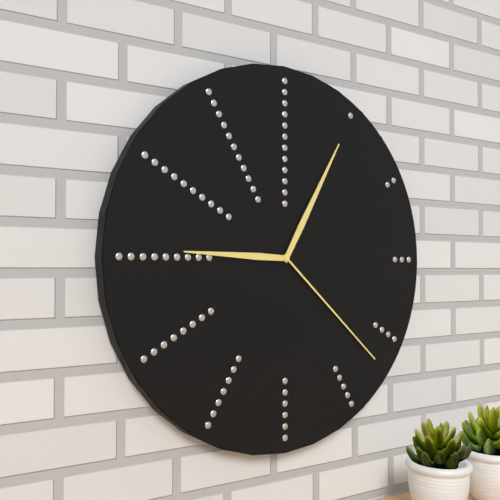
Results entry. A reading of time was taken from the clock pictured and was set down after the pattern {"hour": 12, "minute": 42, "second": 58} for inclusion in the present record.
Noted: {"hour": 9, "minute": 5, "second": 22}
